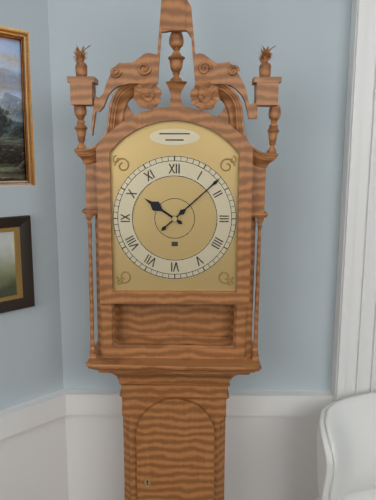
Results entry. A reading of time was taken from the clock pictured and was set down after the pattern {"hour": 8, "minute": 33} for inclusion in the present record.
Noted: {"hour": 10, "minute": 8}
